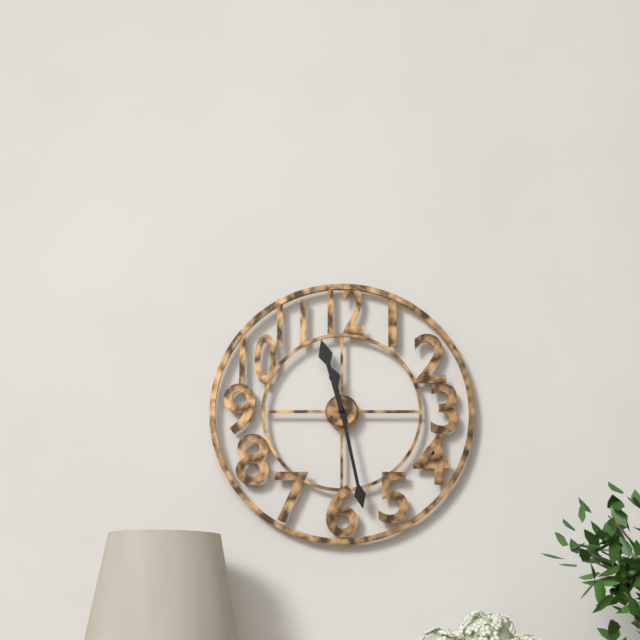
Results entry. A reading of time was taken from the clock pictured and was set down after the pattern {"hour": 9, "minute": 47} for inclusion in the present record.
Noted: {"hour": 11, "minute": 28}
